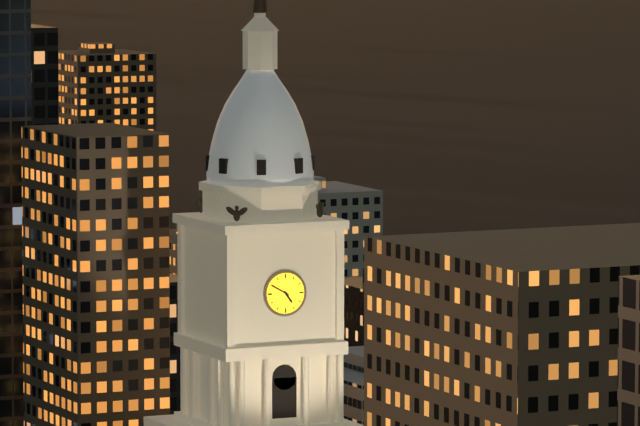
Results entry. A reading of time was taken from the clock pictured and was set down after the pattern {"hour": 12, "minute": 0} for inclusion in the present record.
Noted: {"hour": 4, "minute": 50}
